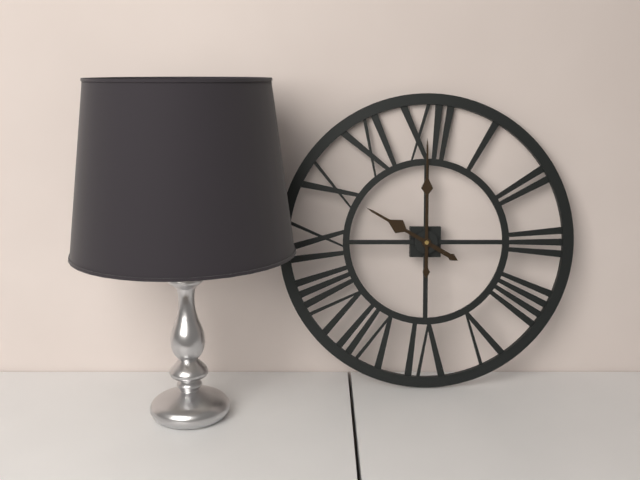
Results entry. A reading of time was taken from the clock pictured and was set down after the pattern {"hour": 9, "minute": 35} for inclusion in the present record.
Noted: {"hour": 10, "minute": 0}
